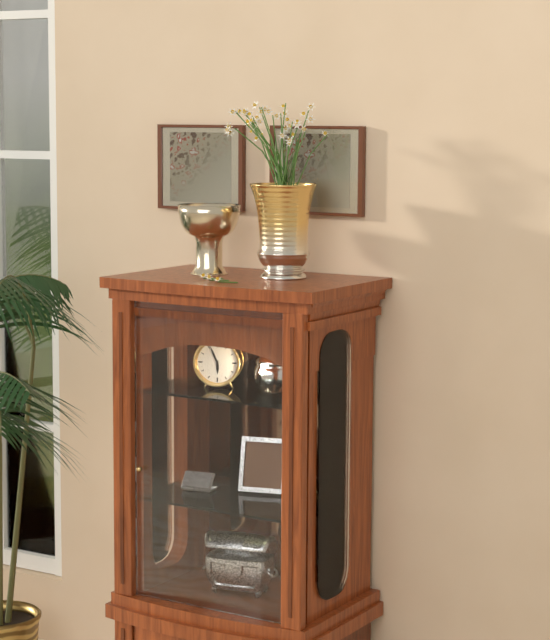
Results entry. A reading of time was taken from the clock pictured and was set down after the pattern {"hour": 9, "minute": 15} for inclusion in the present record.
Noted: {"hour": 5, "minute": 56}
